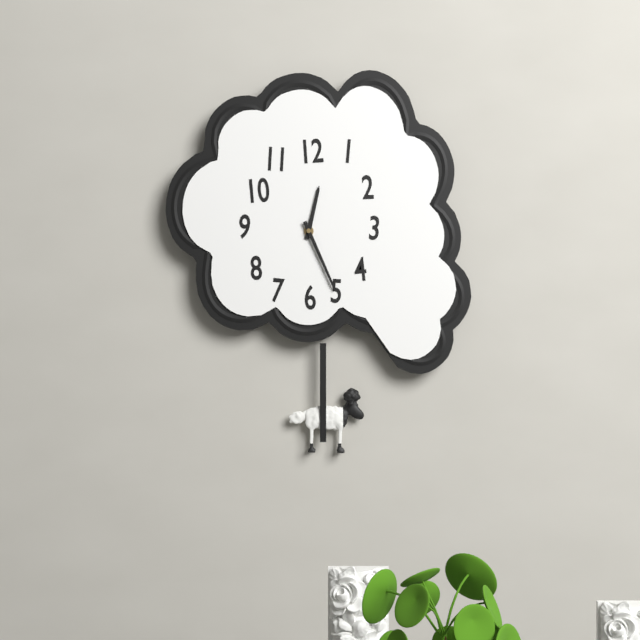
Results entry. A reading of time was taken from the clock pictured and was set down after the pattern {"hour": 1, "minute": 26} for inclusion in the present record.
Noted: {"hour": 12, "minute": 26}
